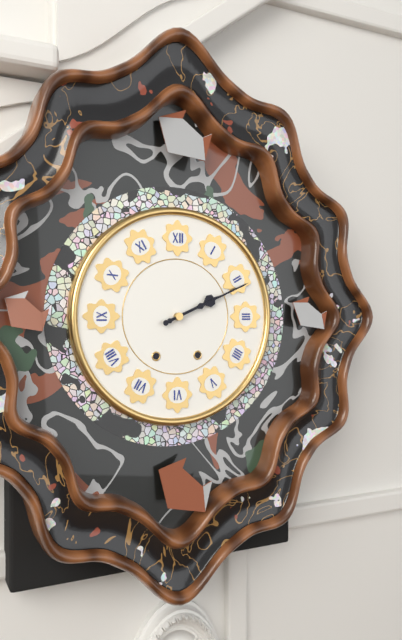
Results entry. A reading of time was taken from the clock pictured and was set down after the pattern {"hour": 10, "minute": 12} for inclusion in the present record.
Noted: {"hour": 2, "minute": 11}
